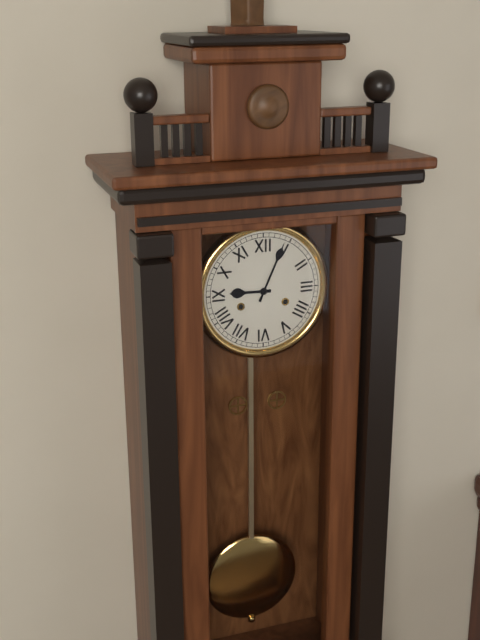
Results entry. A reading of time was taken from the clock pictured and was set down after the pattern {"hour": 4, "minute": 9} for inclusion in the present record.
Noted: {"hour": 9, "minute": 4}
